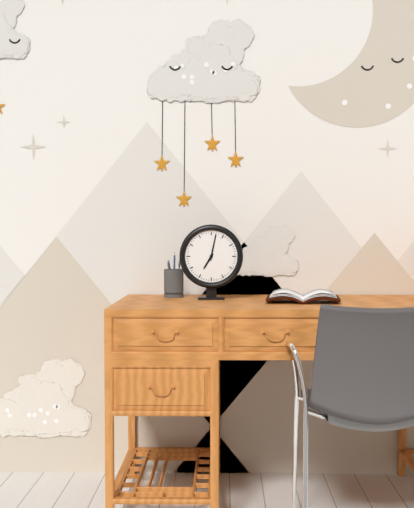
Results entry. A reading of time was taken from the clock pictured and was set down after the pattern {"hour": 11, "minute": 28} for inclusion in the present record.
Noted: {"hour": 7, "minute": 2}
